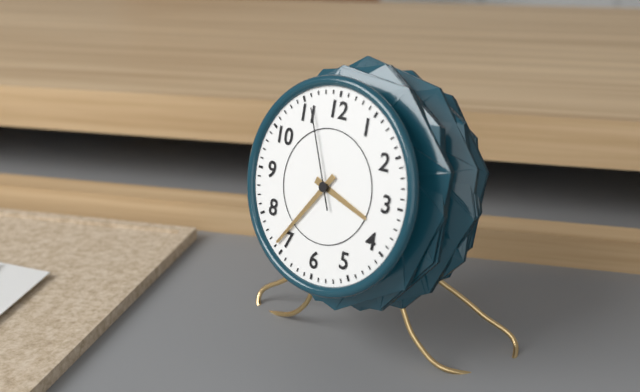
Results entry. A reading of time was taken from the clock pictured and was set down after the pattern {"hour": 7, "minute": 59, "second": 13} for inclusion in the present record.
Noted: {"hour": 3, "minute": 36, "second": 56}
